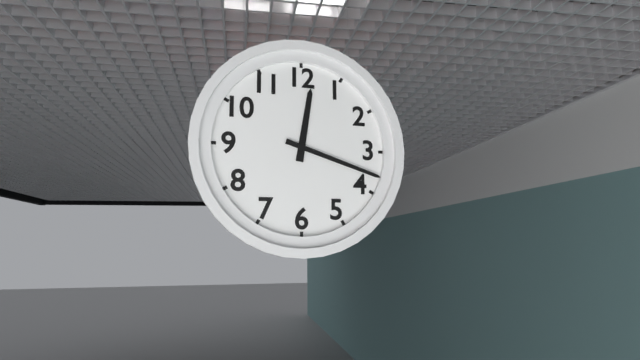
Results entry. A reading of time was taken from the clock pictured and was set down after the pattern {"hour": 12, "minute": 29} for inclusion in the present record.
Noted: {"hour": 12, "minute": 18}
